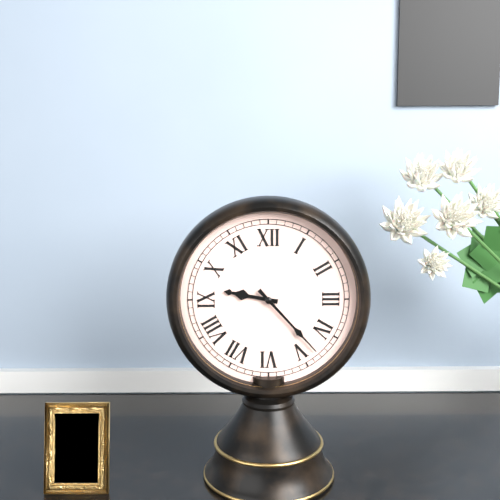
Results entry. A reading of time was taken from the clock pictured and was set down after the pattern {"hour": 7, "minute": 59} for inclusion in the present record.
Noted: {"hour": 9, "minute": 23}
